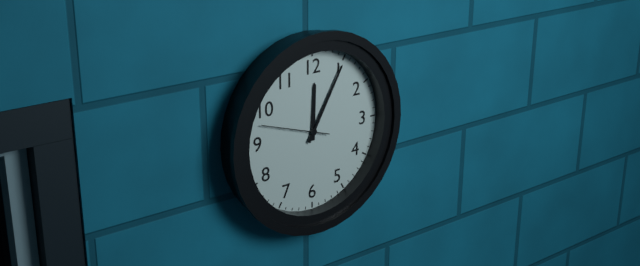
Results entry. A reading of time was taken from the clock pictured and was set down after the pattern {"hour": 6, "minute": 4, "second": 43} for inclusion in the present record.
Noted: {"hour": 12, "minute": 5, "second": 48}
